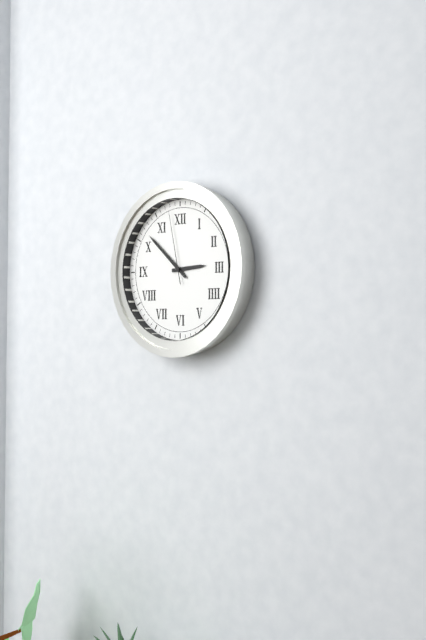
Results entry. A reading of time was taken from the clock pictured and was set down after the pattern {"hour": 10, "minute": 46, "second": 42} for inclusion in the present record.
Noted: {"hour": 2, "minute": 52, "second": 58}
